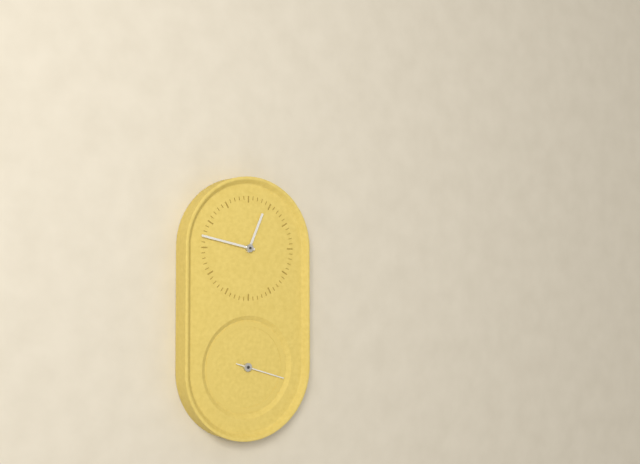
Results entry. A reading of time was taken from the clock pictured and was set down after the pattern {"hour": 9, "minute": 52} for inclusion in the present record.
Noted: {"hour": 12, "minute": 47}
